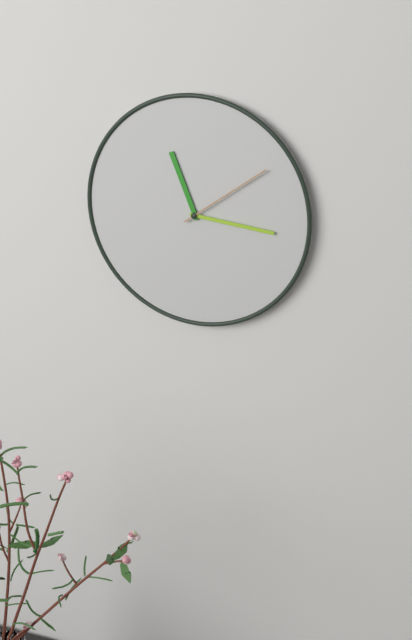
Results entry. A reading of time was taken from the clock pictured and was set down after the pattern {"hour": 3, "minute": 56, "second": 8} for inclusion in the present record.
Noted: {"hour": 11, "minute": 16, "second": 9}
